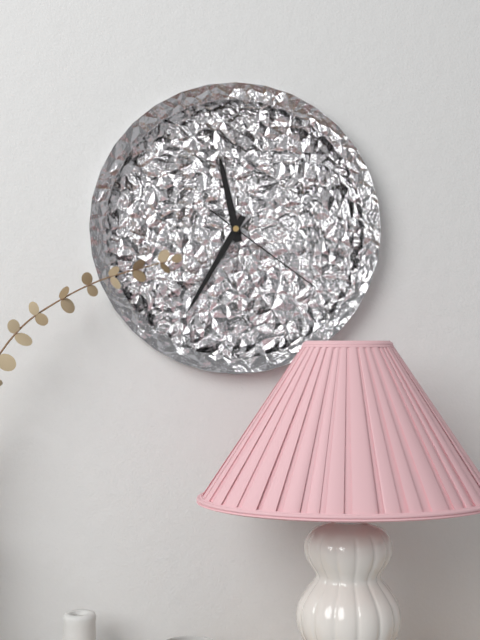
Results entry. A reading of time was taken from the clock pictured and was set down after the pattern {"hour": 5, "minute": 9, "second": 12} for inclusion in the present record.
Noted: {"hour": 11, "minute": 35, "second": 21}
